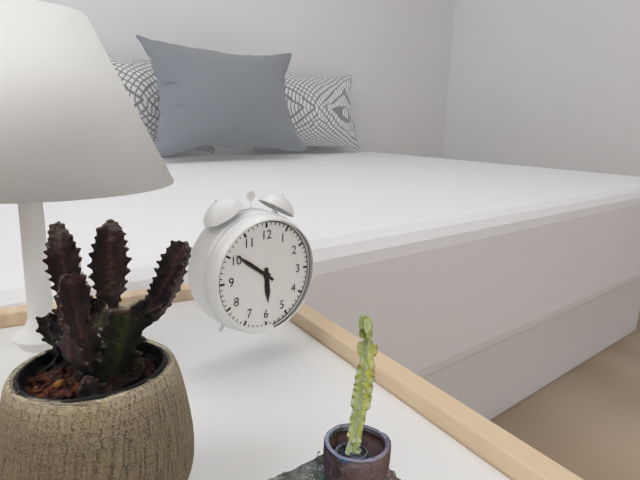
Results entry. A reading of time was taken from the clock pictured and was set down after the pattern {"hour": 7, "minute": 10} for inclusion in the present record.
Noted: {"hour": 5, "minute": 51}
